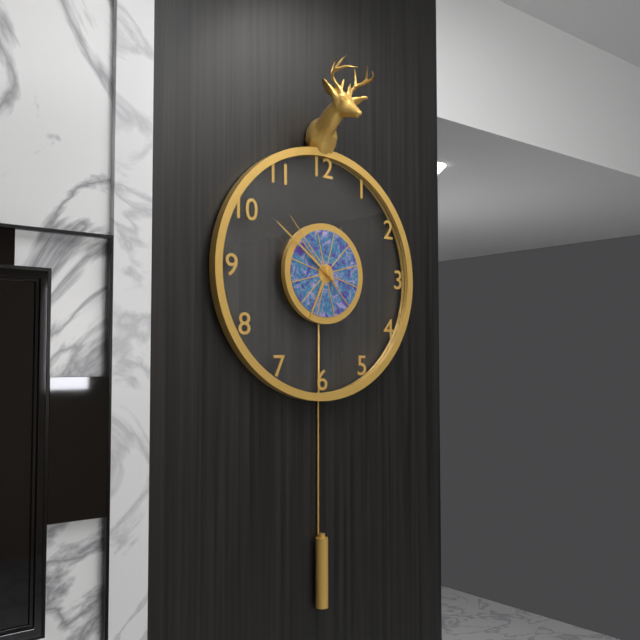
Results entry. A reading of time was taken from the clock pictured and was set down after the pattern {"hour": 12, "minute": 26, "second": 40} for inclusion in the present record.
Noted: {"hour": 6, "minute": 51, "second": 53}
